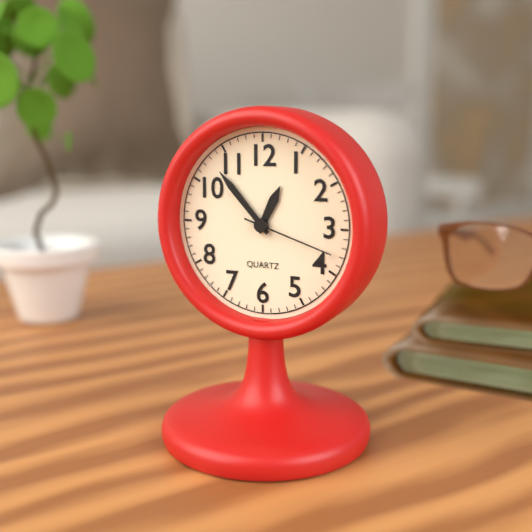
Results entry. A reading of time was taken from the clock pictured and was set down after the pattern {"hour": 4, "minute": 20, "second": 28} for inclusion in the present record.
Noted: {"hour": 12, "minute": 53, "second": 18}
